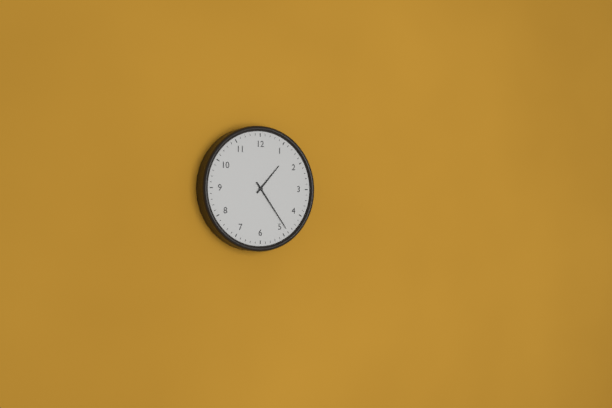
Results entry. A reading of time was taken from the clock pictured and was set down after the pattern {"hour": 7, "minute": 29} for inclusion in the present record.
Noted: {"hour": 1, "minute": 24}
